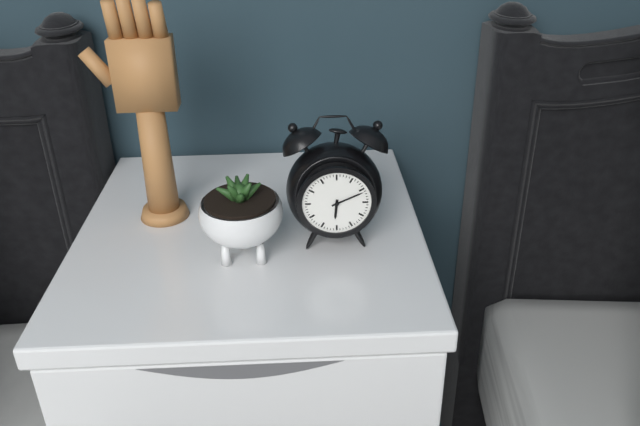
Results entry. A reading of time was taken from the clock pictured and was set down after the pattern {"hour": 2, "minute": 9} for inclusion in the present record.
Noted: {"hour": 6, "minute": 11}
